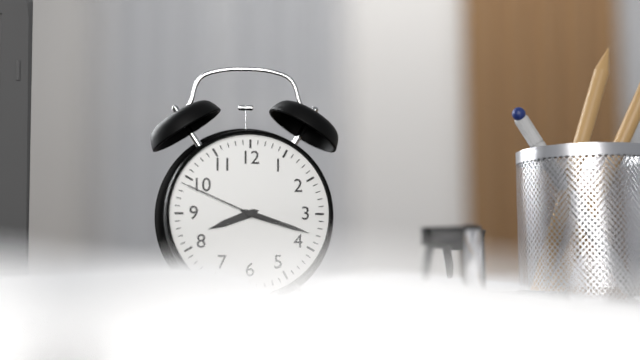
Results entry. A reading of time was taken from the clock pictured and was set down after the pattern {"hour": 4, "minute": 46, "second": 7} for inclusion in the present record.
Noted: {"hour": 8, "minute": 18, "second": 49}
